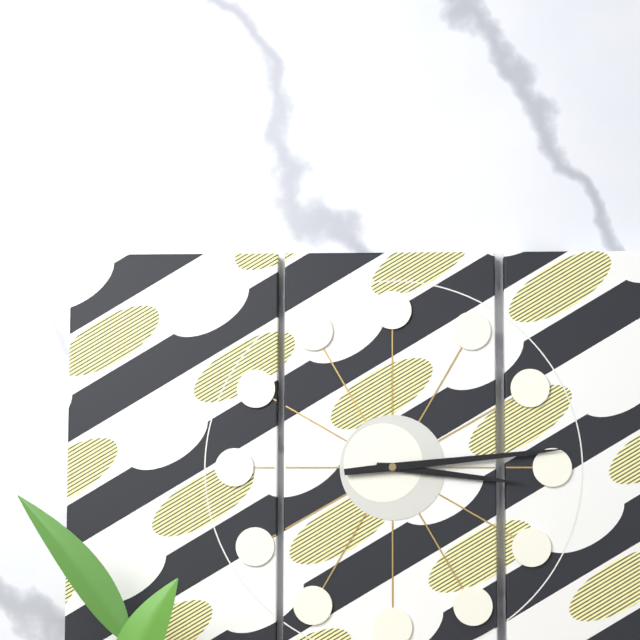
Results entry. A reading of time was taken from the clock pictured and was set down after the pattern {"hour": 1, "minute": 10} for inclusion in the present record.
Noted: {"hour": 3, "minute": 14}
